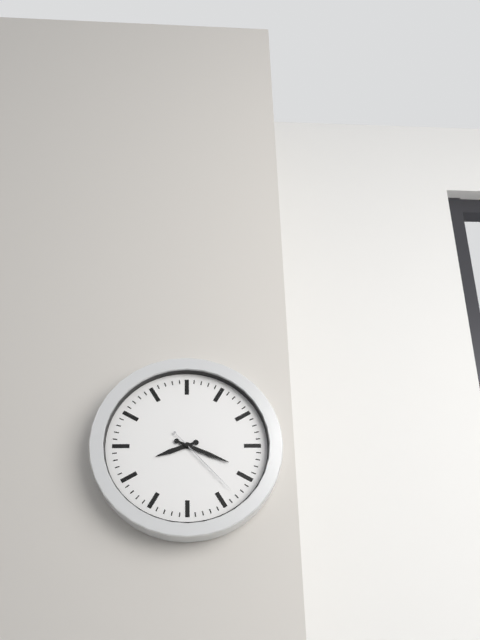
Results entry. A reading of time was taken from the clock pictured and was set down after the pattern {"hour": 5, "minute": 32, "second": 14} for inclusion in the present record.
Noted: {"hour": 8, "minute": 19, "second": 23}
